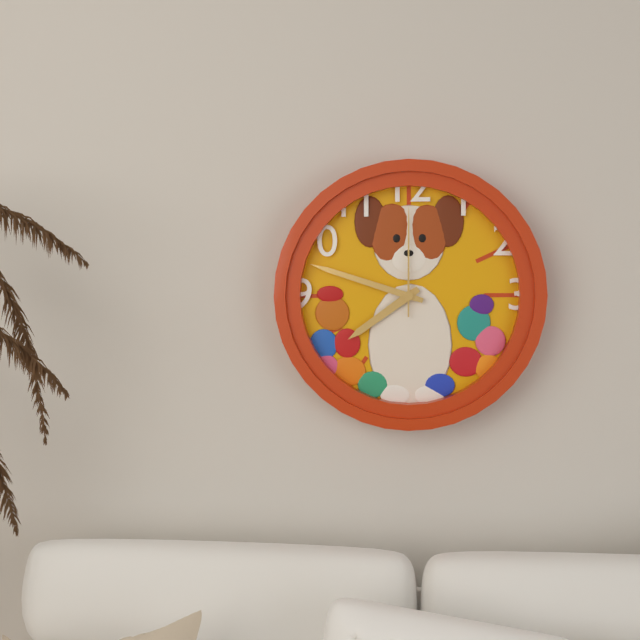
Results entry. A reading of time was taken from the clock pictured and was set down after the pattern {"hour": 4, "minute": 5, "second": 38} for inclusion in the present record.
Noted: {"hour": 7, "minute": 48, "second": 0}
